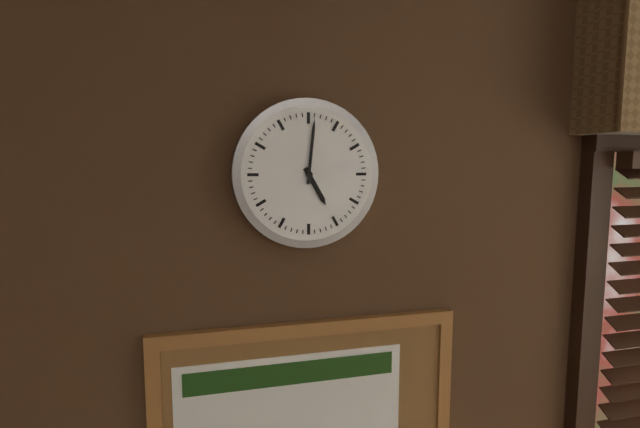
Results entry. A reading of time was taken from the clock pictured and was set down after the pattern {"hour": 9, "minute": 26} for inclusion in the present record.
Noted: {"hour": 5, "minute": 1}
